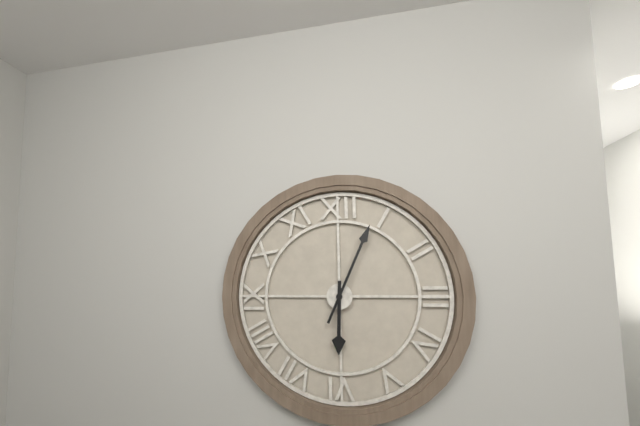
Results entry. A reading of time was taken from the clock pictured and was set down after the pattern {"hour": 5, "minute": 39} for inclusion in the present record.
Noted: {"hour": 6, "minute": 4}
